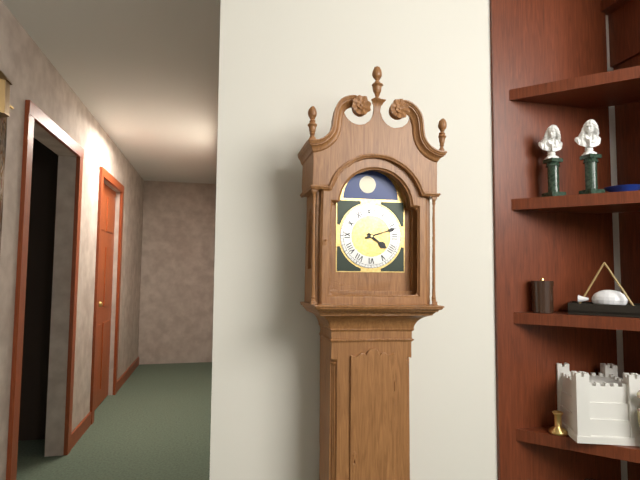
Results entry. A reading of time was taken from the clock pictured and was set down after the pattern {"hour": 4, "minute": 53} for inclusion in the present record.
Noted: {"hour": 4, "minute": 12}
